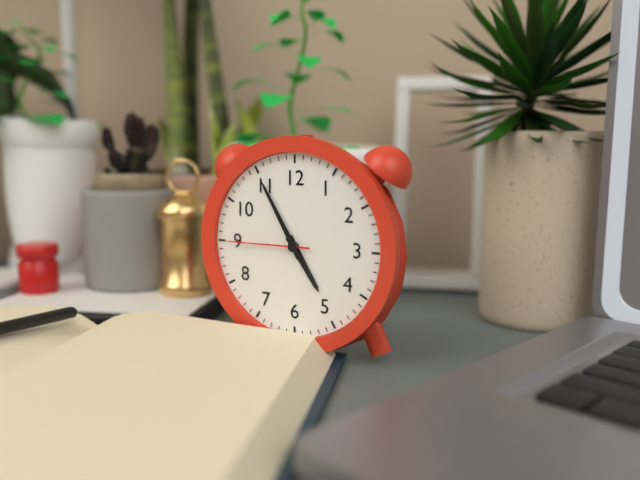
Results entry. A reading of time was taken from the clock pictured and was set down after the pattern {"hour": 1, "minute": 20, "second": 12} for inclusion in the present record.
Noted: {"hour": 4, "minute": 55, "second": 45}
